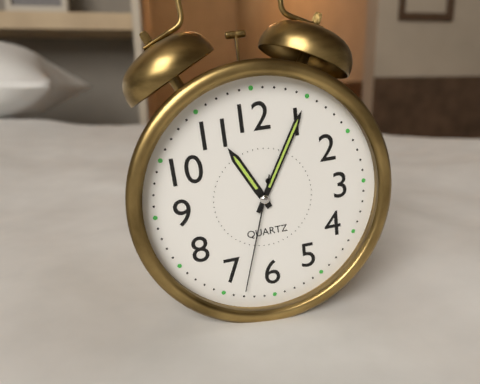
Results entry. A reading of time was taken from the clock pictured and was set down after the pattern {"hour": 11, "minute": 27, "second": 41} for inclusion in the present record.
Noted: {"hour": 11, "minute": 5, "second": 33}
